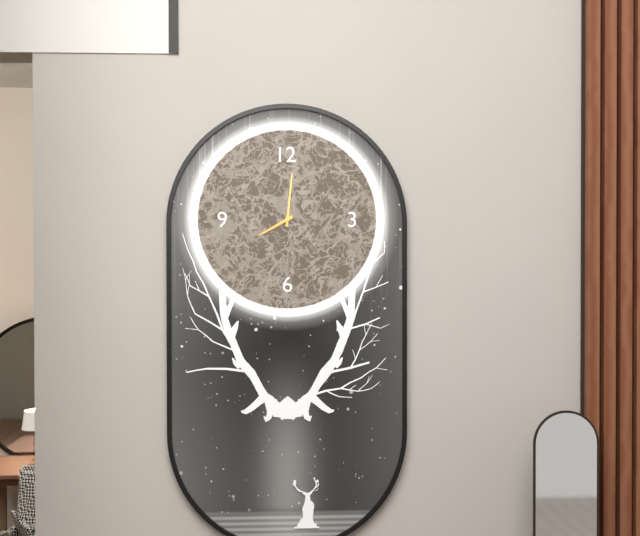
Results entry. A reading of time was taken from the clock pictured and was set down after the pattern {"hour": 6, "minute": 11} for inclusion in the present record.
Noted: {"hour": 8, "minute": 1}
